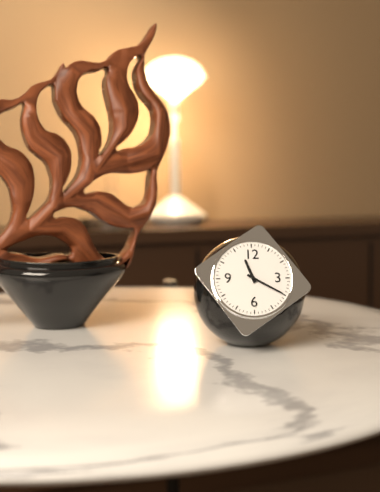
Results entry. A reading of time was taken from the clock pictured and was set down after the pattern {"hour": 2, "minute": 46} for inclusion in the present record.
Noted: {"hour": 11, "minute": 20}
